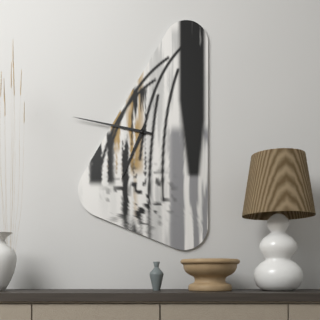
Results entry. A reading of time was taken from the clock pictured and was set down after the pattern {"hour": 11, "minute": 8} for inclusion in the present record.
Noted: {"hour": 6, "minute": 47}
